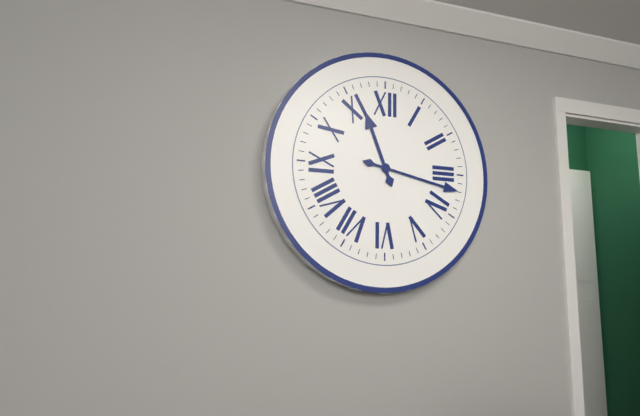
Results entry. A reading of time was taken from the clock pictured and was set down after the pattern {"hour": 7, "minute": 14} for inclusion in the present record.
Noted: {"hour": 11, "minute": 17}
